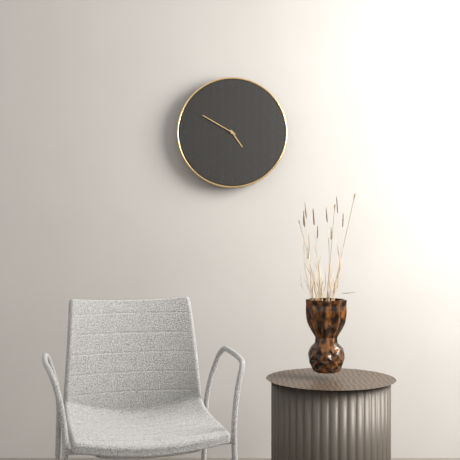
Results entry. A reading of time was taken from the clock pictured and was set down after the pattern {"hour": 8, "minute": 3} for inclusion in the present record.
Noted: {"hour": 4, "minute": 50}
